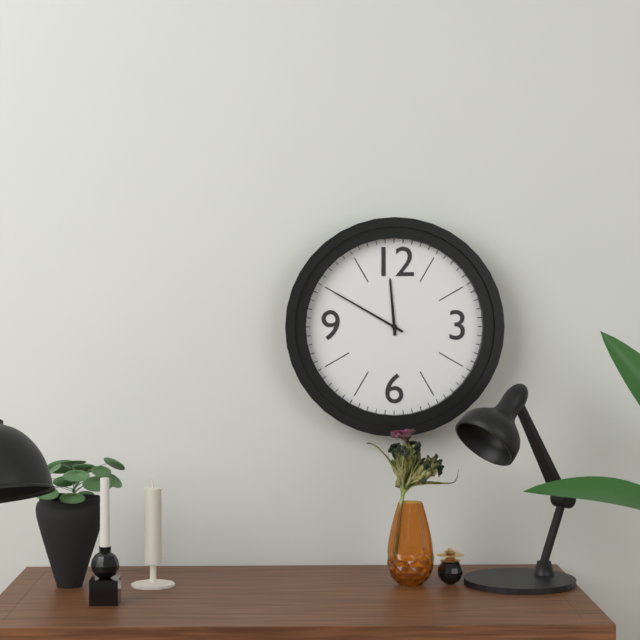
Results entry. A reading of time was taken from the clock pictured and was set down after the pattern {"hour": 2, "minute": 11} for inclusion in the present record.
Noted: {"hour": 11, "minute": 50}
